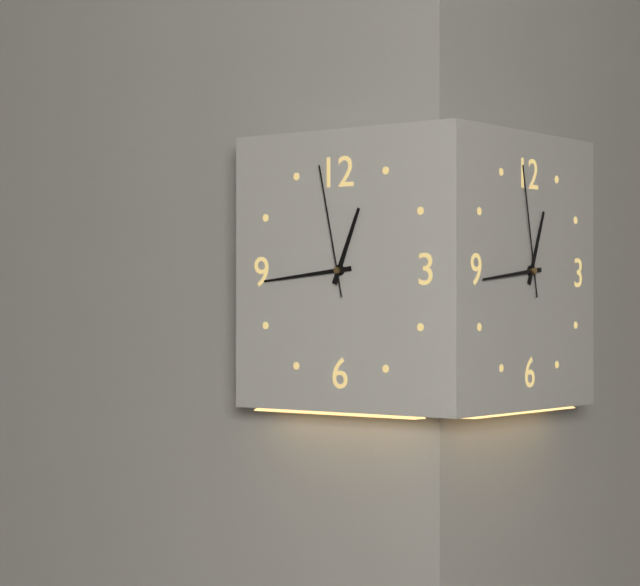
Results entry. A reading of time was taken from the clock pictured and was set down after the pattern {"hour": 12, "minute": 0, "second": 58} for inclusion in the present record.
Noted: {"hour": 12, "minute": 44, "second": 58}
